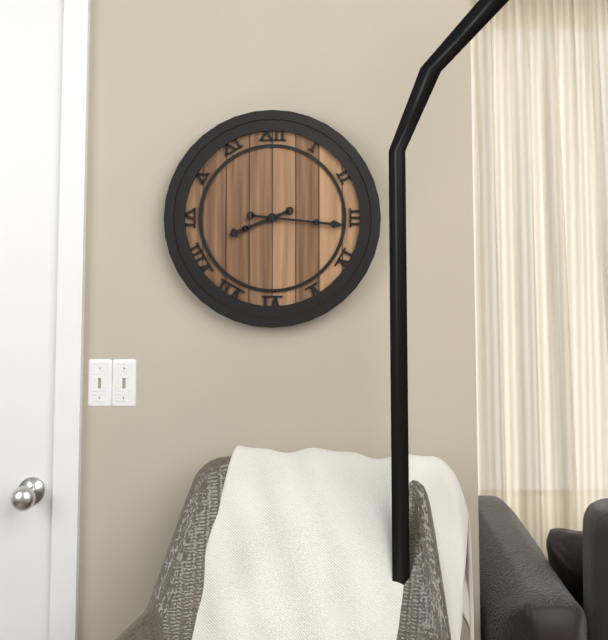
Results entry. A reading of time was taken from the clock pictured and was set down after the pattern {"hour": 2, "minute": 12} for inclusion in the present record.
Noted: {"hour": 8, "minute": 16}
